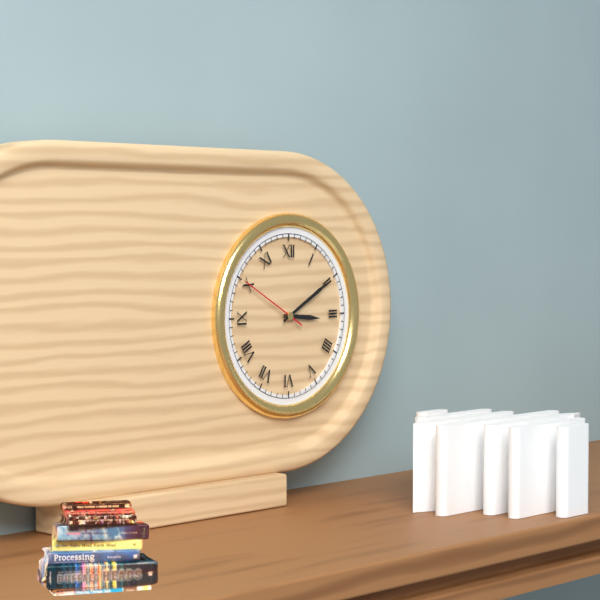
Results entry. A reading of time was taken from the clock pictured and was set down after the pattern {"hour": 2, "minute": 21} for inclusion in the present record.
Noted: {"hour": 3, "minute": 10}
